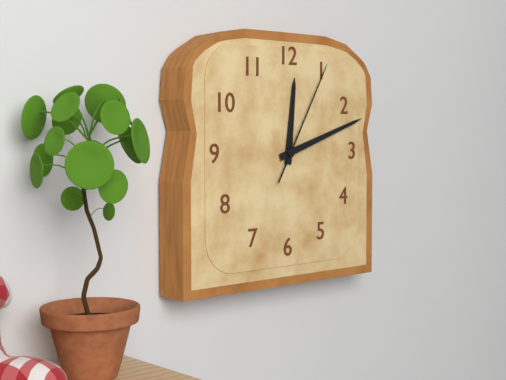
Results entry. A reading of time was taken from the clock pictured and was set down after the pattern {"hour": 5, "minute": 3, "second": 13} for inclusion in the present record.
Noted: {"hour": 12, "minute": 12, "second": 5}
